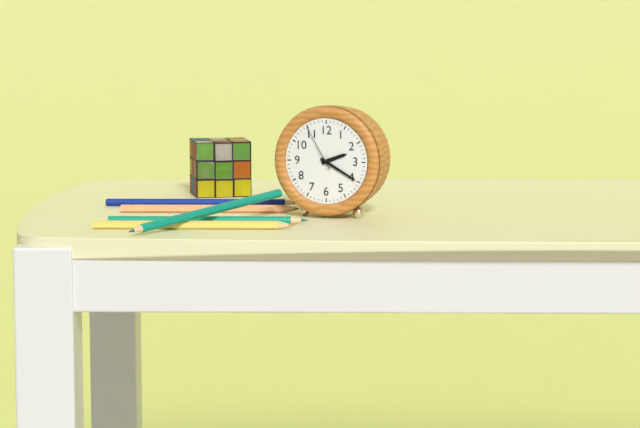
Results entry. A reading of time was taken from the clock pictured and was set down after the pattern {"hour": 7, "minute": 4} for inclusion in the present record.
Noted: {"hour": 2, "minute": 20}
